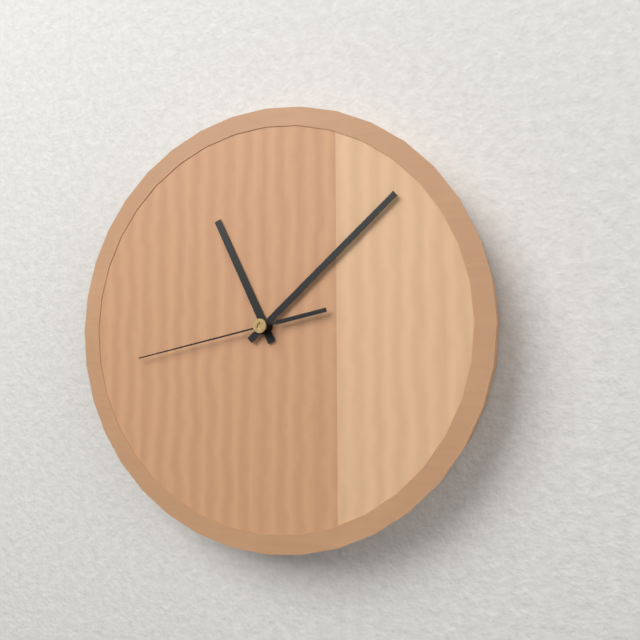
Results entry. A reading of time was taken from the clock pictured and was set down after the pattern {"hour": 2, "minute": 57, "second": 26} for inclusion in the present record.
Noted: {"hour": 11, "minute": 8, "second": 43}
